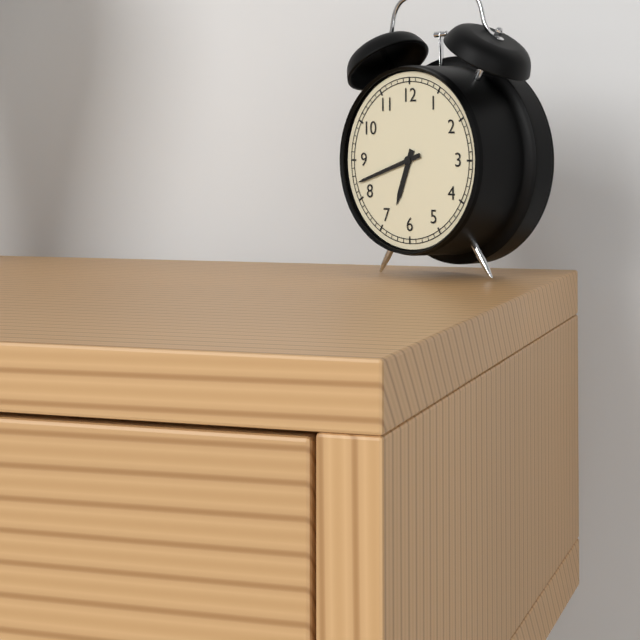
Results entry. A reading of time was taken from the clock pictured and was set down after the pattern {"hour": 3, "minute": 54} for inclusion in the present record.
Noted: {"hour": 6, "minute": 42}
